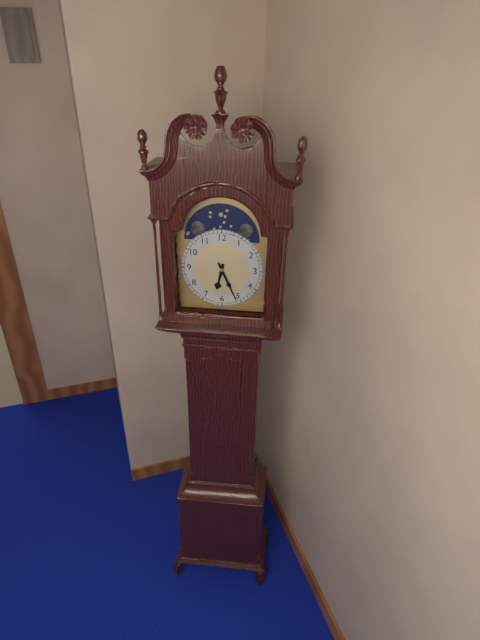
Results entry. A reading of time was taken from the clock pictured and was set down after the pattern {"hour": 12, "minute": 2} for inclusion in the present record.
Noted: {"hour": 6, "minute": 26}
